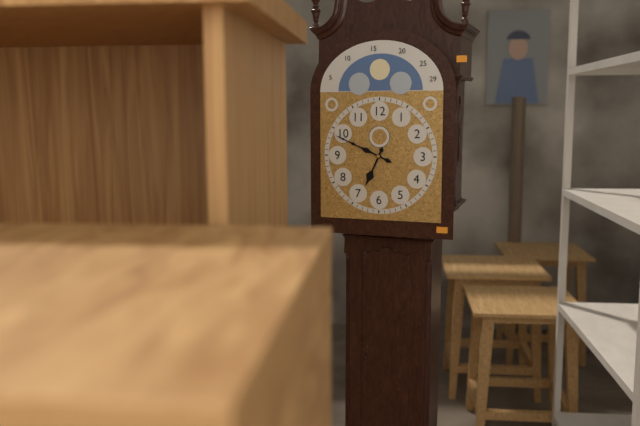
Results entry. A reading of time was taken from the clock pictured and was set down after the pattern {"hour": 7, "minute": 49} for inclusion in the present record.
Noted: {"hour": 6, "minute": 49}
